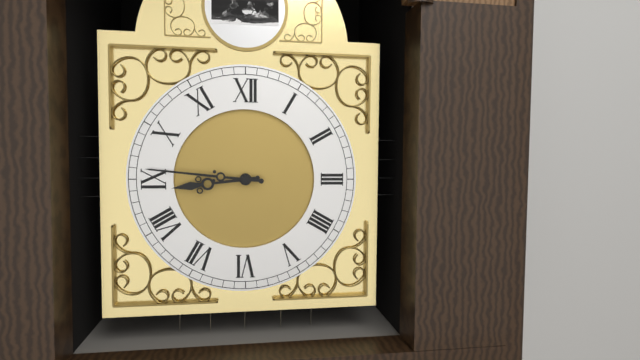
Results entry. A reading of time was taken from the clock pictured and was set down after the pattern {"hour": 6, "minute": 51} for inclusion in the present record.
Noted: {"hour": 8, "minute": 46}
